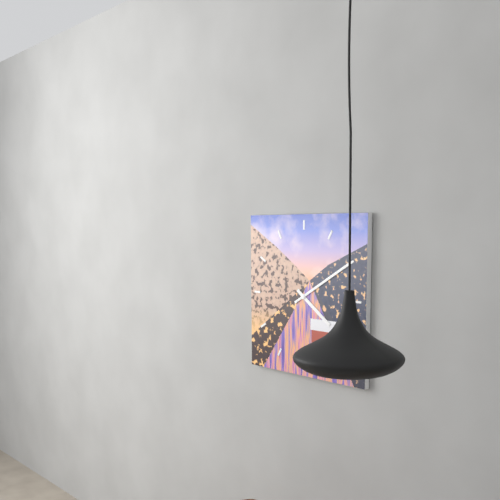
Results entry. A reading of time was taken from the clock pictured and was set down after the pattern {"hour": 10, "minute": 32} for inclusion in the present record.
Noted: {"hour": 4, "minute": 10}
